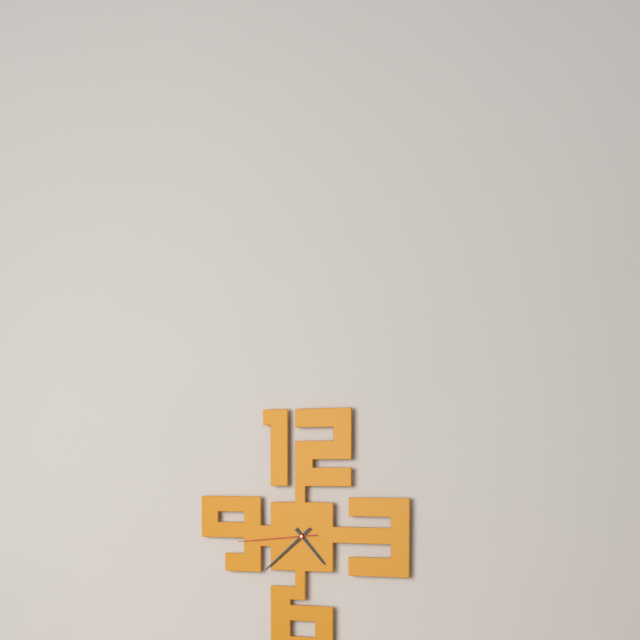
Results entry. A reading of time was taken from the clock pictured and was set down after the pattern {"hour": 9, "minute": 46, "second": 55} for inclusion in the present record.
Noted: {"hour": 4, "minute": 38, "second": 44}
